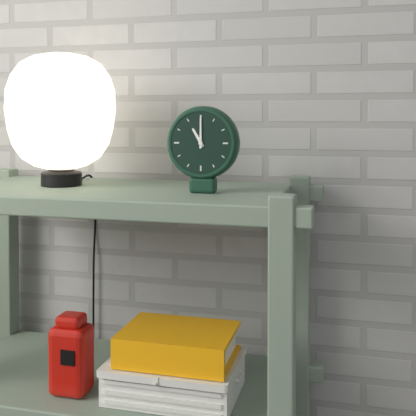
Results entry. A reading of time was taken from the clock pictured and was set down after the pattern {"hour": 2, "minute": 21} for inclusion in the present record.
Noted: {"hour": 11, "minute": 0}
